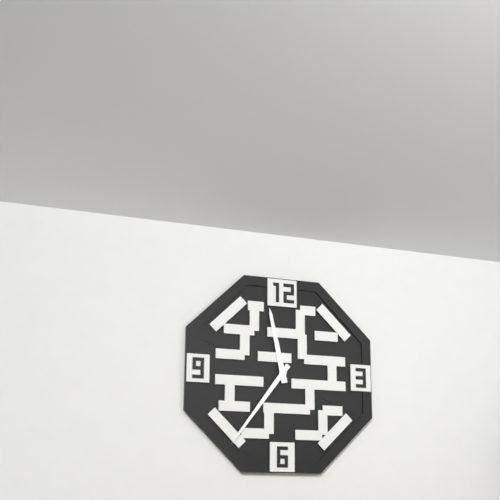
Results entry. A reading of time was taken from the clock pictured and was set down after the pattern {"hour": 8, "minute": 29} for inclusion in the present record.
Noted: {"hour": 11, "minute": 36}
